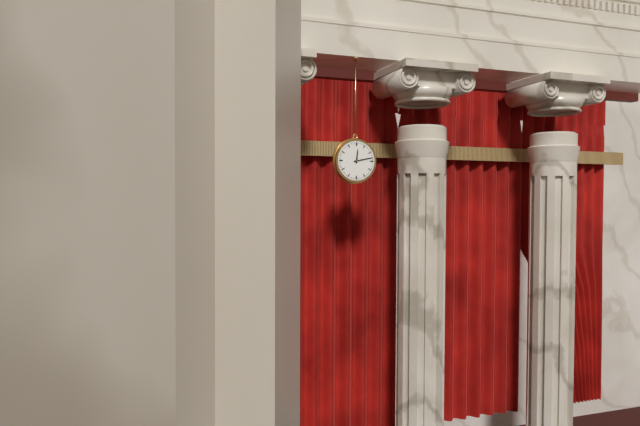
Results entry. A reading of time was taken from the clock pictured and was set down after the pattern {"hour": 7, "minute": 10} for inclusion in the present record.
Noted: {"hour": 12, "minute": 13}
